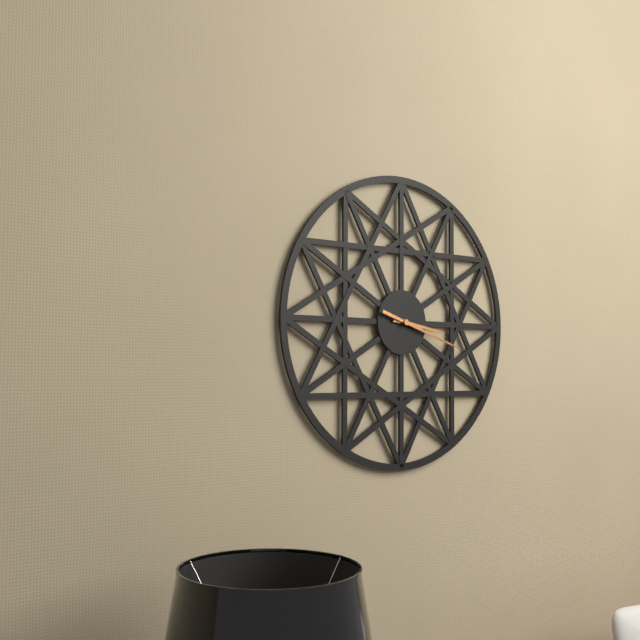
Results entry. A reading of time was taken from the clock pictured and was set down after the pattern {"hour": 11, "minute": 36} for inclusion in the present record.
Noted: {"hour": 3, "minute": 18}
